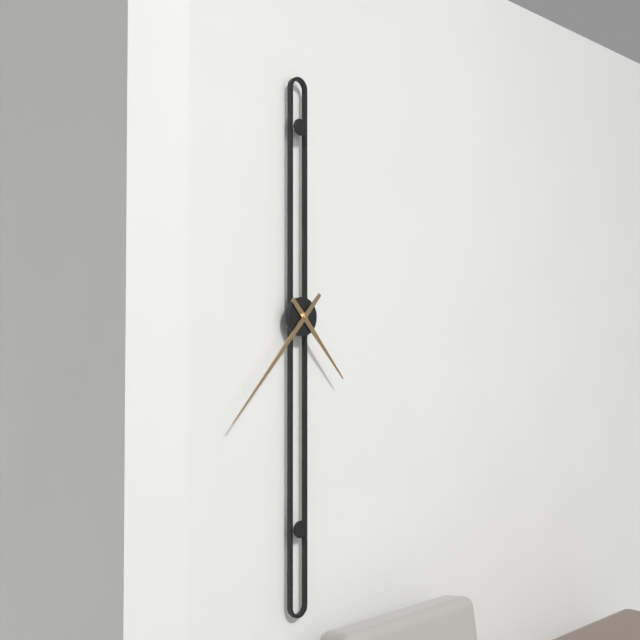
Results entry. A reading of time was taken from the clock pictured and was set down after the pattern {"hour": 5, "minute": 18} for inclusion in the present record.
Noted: {"hour": 4, "minute": 37}
